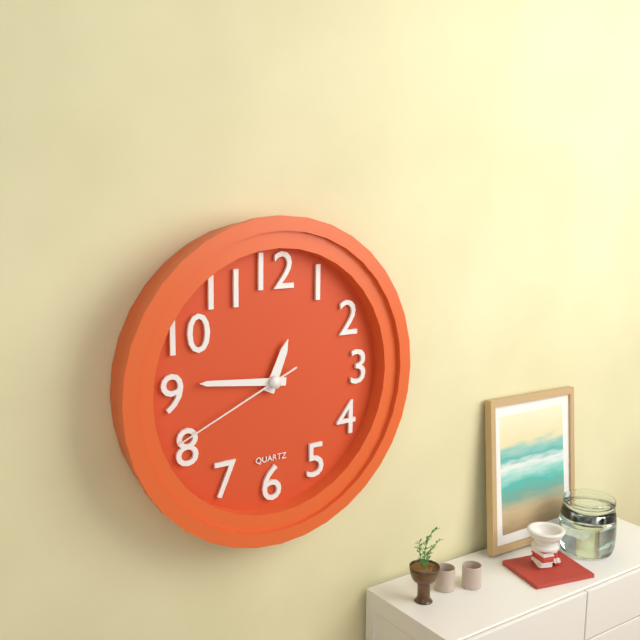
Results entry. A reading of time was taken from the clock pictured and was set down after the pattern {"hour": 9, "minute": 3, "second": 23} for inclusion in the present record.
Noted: {"hour": 12, "minute": 46, "second": 41}
